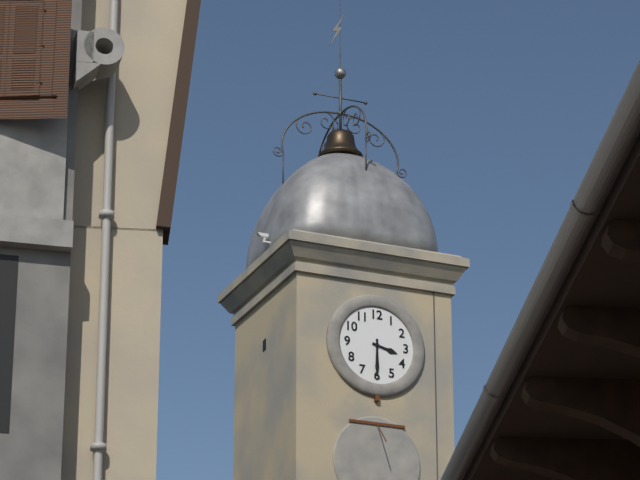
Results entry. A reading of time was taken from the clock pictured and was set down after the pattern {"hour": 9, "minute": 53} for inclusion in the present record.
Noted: {"hour": 3, "minute": 30}
